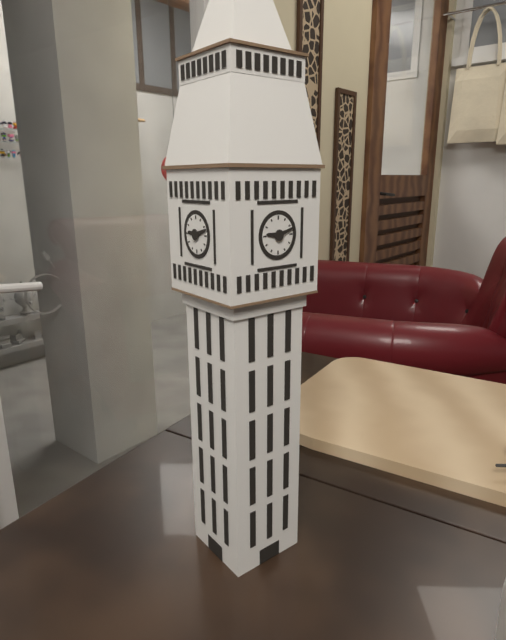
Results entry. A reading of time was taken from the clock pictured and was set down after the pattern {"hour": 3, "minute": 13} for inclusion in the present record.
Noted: {"hour": 9, "minute": 12}
